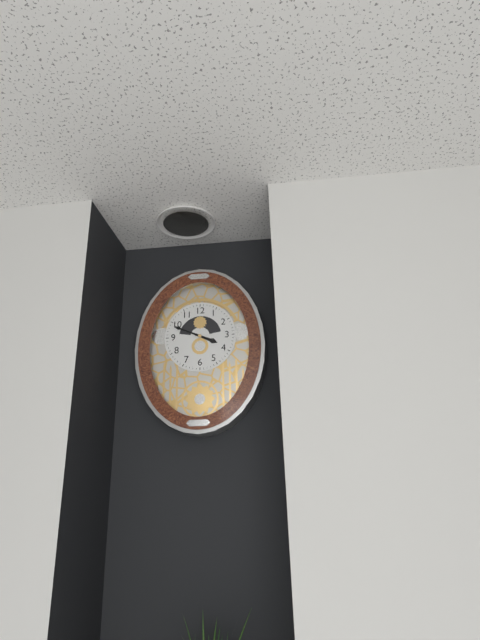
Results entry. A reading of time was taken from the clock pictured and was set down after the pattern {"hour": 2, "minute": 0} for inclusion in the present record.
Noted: {"hour": 3, "minute": 49}
